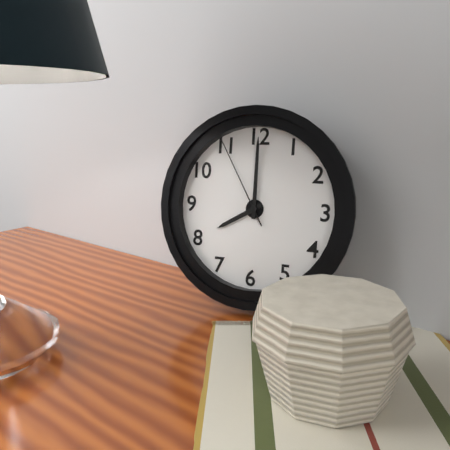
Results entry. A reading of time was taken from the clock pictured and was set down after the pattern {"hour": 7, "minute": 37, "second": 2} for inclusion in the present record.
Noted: {"hour": 8, "minute": 0, "second": 55}
